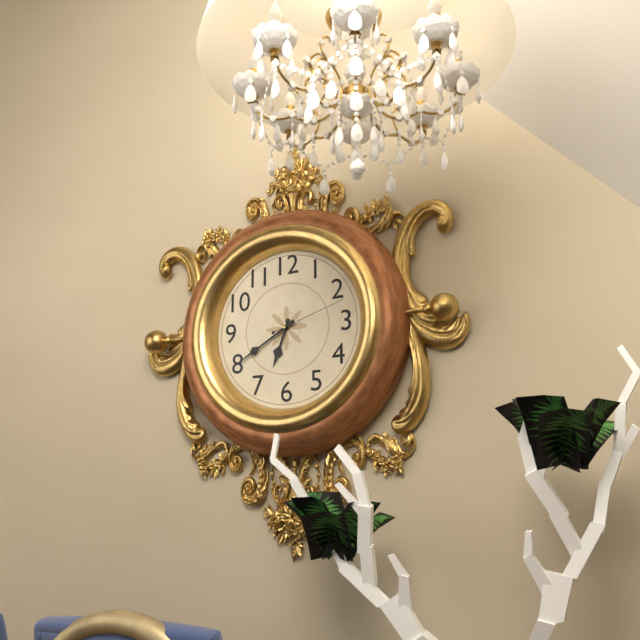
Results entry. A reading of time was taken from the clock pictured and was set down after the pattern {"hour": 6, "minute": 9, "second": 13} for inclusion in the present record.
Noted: {"hour": 6, "minute": 40, "second": 12}
